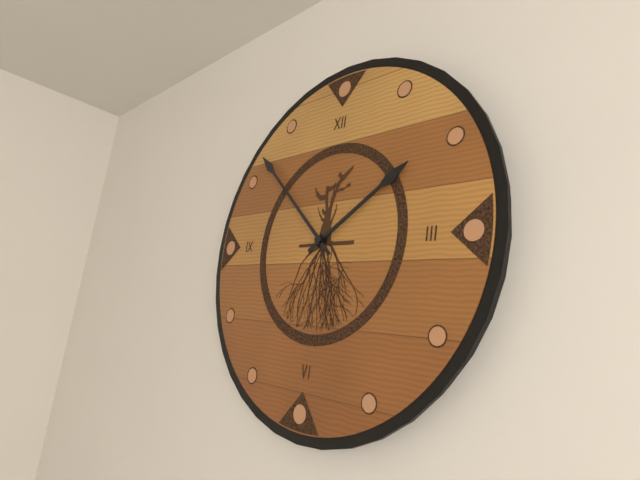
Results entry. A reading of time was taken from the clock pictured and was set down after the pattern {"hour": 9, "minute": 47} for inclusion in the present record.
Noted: {"hour": 1, "minute": 52}
